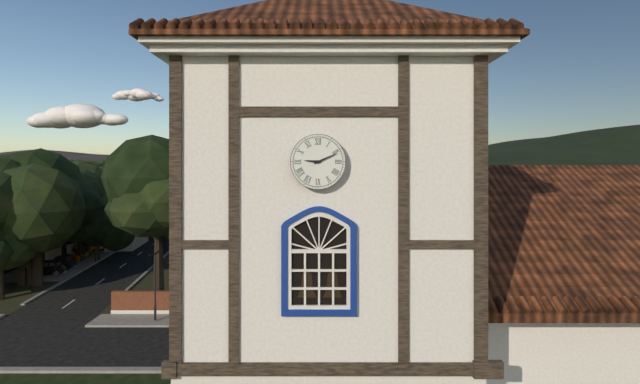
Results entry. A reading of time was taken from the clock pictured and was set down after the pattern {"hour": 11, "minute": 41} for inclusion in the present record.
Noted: {"hour": 9, "minute": 11}
